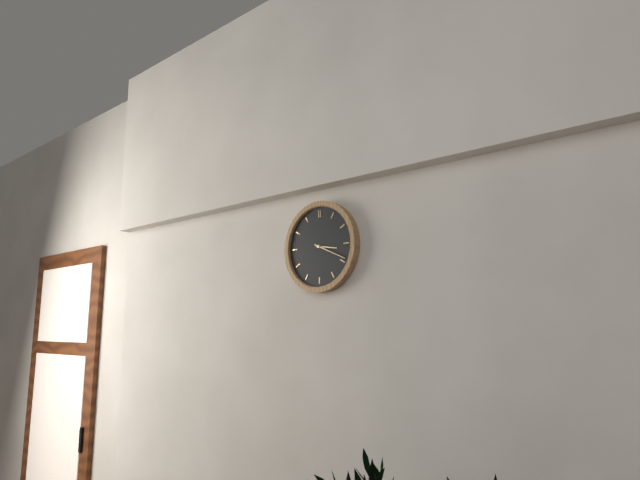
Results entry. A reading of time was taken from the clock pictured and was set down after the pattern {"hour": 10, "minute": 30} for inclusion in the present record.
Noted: {"hour": 3, "minute": 19}
